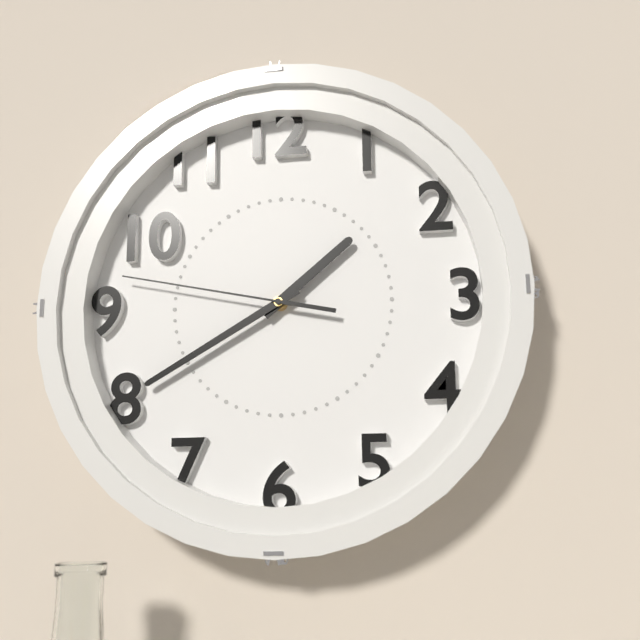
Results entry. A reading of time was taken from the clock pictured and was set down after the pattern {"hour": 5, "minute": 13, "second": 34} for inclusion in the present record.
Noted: {"hour": 1, "minute": 40, "second": 47}
